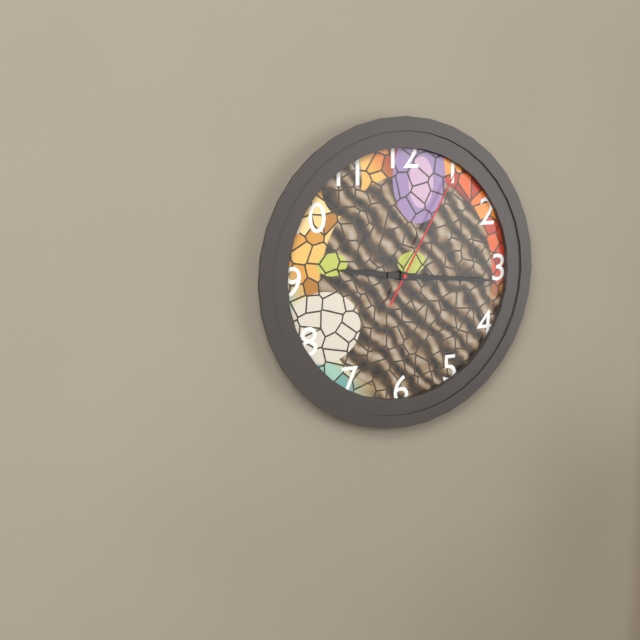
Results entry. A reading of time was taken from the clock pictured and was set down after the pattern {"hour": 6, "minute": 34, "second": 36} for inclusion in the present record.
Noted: {"hour": 9, "minute": 16, "second": 5}
